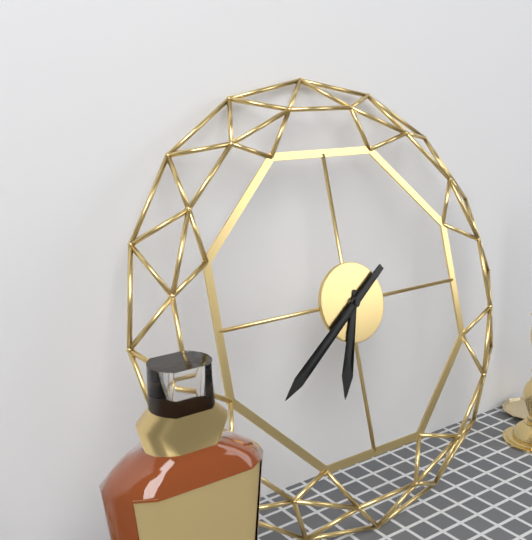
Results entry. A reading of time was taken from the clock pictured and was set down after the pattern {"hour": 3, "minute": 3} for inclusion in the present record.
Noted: {"hour": 6, "minute": 39}
